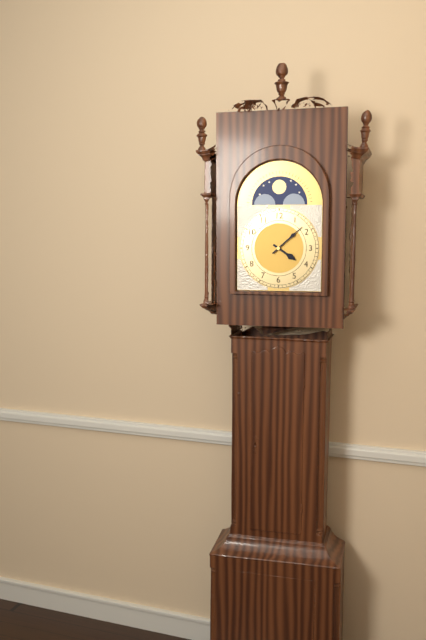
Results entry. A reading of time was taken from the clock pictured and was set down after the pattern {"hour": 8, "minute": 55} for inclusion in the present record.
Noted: {"hour": 4, "minute": 8}
